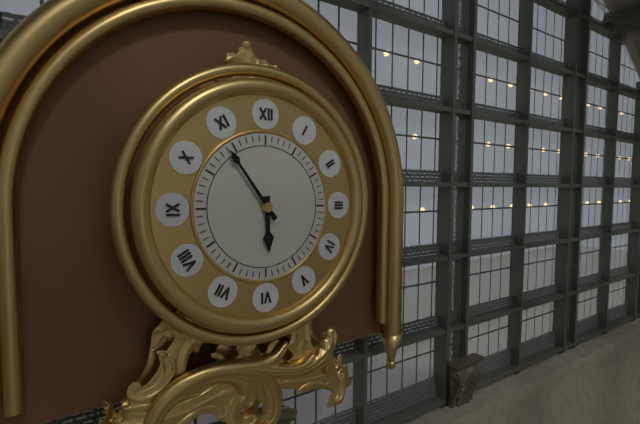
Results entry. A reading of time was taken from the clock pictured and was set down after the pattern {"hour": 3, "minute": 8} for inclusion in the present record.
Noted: {"hour": 5, "minute": 54}
